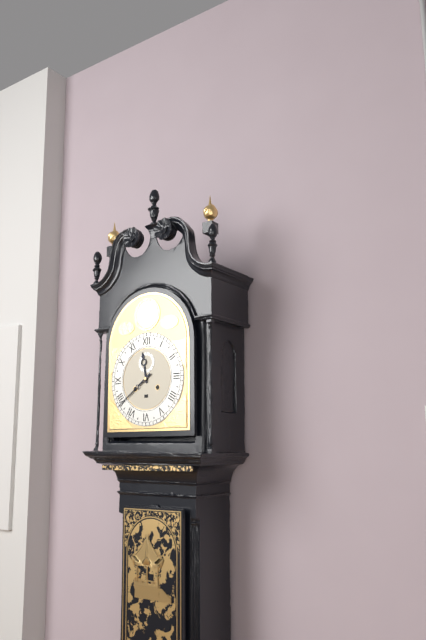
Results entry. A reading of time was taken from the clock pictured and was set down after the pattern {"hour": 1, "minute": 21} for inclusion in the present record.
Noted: {"hour": 11, "minute": 39}
